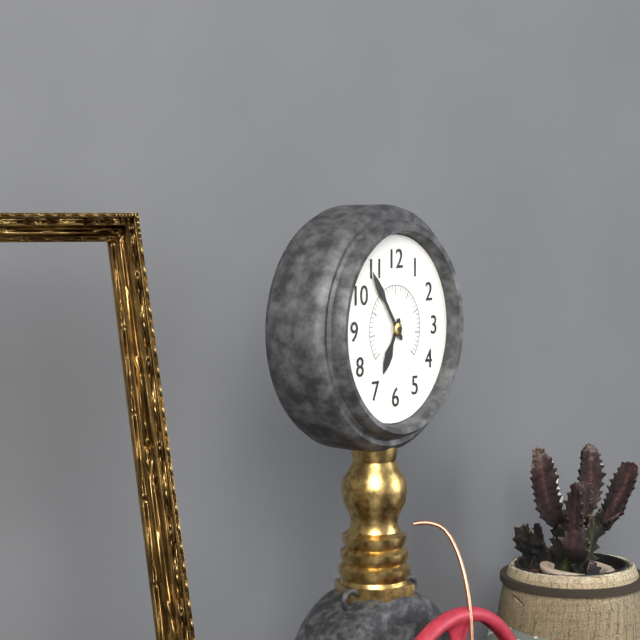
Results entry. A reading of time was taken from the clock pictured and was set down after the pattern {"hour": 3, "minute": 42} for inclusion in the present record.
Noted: {"hour": 6, "minute": 54}
